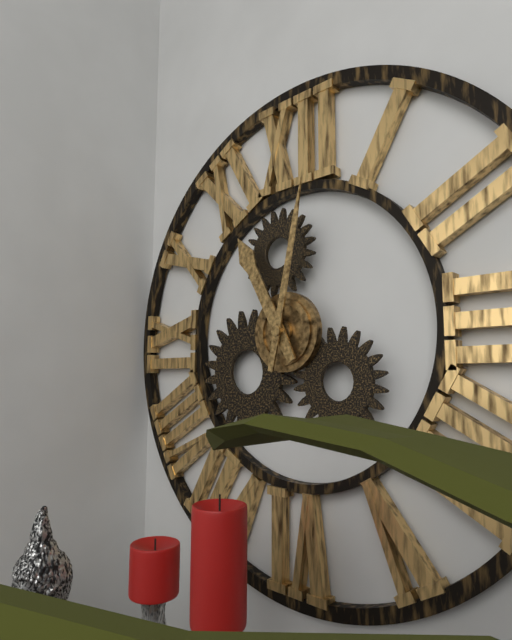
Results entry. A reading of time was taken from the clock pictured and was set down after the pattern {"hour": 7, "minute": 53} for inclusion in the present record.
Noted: {"hour": 11, "minute": 2}
